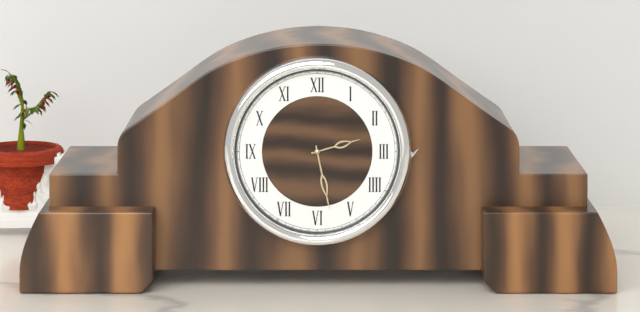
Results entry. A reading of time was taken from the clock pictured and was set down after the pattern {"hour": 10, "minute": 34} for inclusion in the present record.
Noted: {"hour": 2, "minute": 28}
